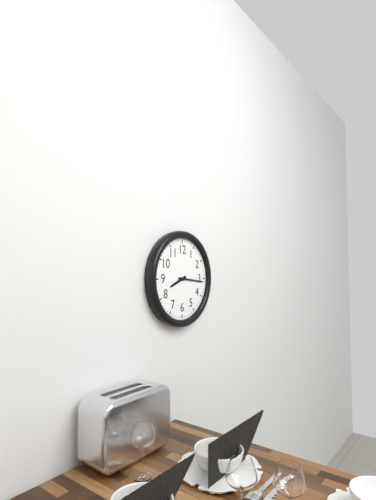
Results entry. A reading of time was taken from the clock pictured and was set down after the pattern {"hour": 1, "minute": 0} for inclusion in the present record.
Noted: {"hour": 8, "minute": 16}
